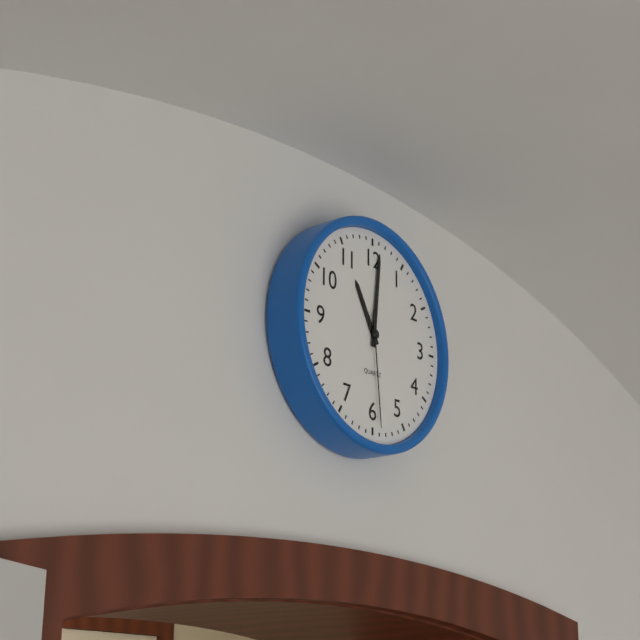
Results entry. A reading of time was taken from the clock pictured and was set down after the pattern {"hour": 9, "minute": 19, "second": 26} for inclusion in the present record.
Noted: {"hour": 11, "minute": 1, "second": 29}
